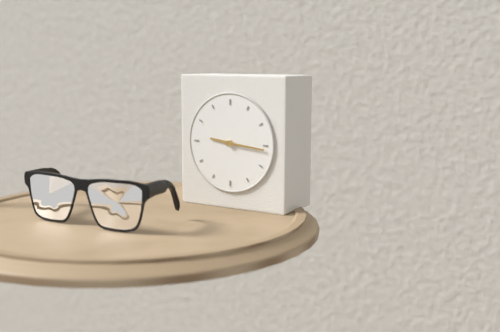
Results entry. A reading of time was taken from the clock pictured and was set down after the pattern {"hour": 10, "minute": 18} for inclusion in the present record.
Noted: {"hour": 9, "minute": 16}
